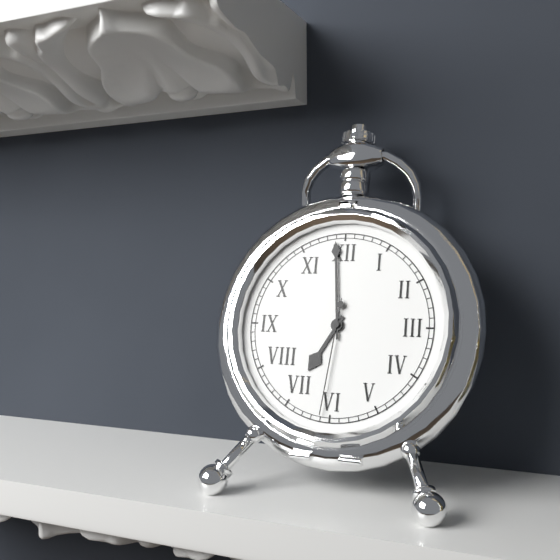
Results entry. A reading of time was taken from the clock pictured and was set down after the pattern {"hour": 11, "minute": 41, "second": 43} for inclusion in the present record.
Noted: {"hour": 6, "minute": 59, "second": 31}
